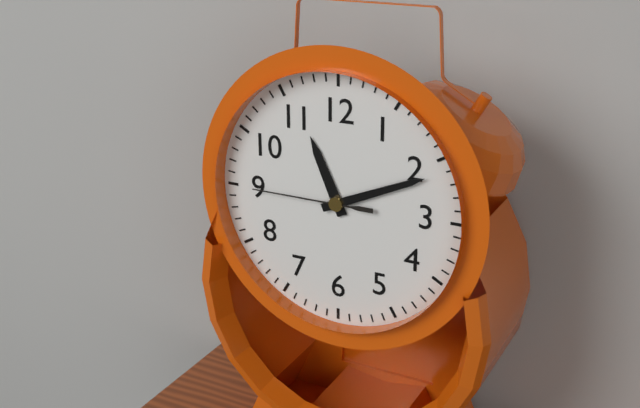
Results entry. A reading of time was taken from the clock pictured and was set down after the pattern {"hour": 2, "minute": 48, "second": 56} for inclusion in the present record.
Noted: {"hour": 11, "minute": 11, "second": 45}
